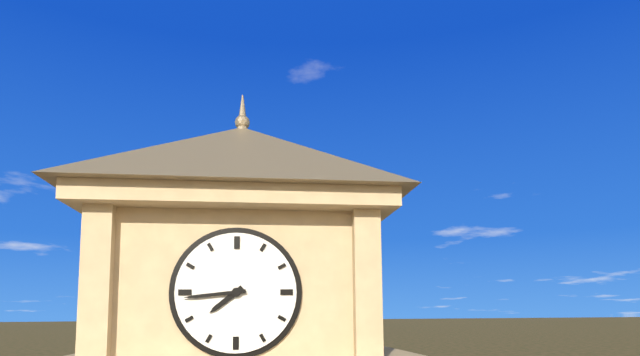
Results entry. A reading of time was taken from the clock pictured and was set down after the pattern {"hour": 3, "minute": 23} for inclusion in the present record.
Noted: {"hour": 7, "minute": 44}
